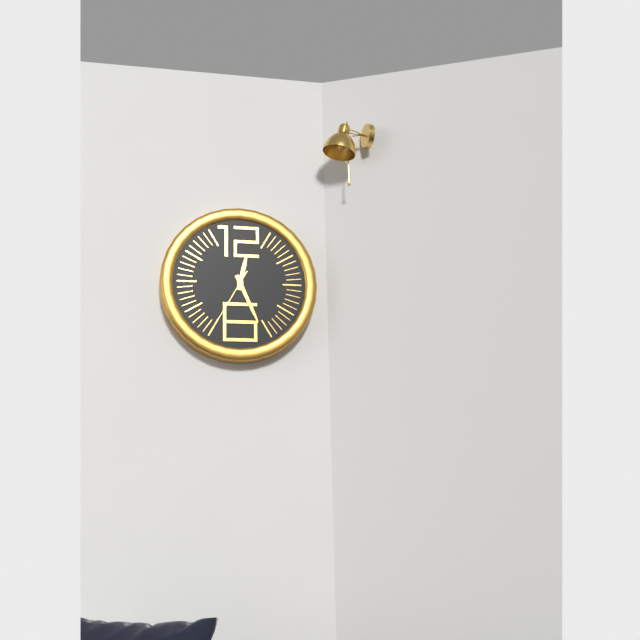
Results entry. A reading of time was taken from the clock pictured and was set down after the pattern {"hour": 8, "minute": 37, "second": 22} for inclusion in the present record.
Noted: {"hour": 12, "minute": 26, "second": 35}
